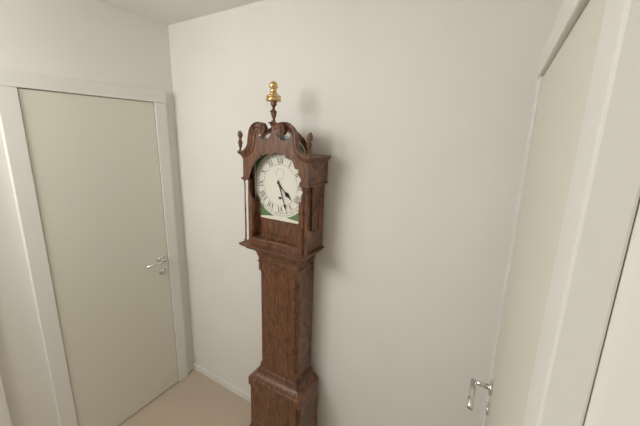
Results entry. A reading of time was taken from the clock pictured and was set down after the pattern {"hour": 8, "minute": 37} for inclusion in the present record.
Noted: {"hour": 4, "minute": 27}
